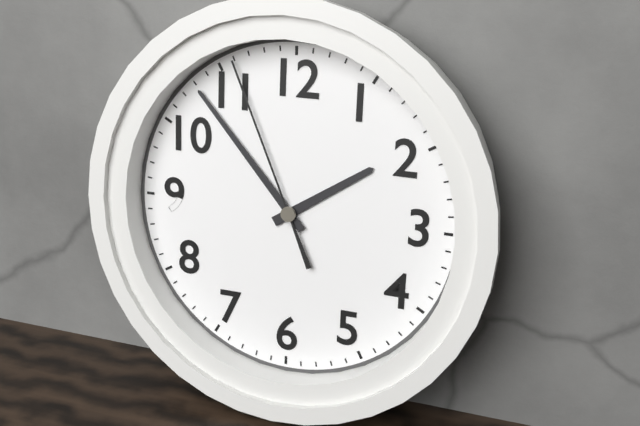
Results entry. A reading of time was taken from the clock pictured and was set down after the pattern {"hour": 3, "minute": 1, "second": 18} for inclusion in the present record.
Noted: {"hour": 1, "minute": 53, "second": 56}
